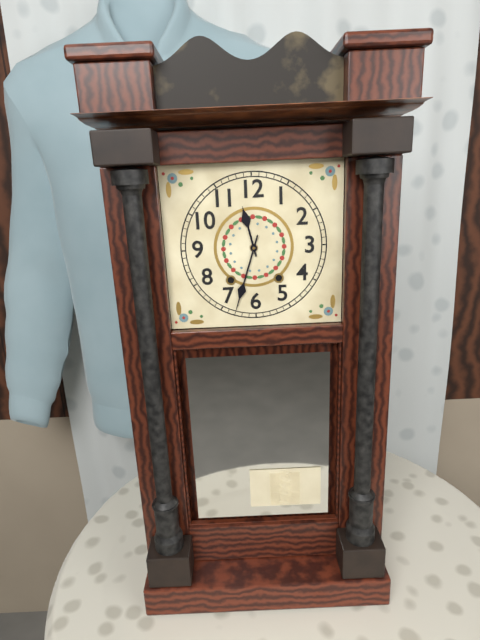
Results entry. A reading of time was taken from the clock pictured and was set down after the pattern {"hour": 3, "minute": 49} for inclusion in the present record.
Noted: {"hour": 11, "minute": 33}
